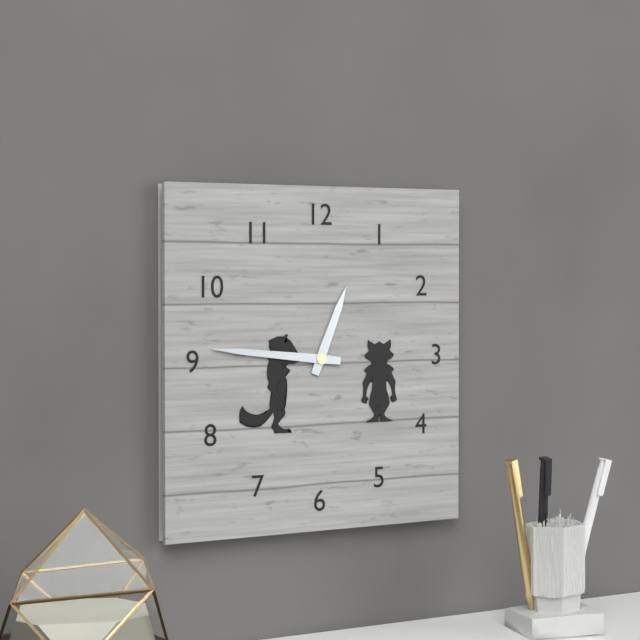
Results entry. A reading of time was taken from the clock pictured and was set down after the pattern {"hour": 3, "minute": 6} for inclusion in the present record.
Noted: {"hour": 12, "minute": 46}
